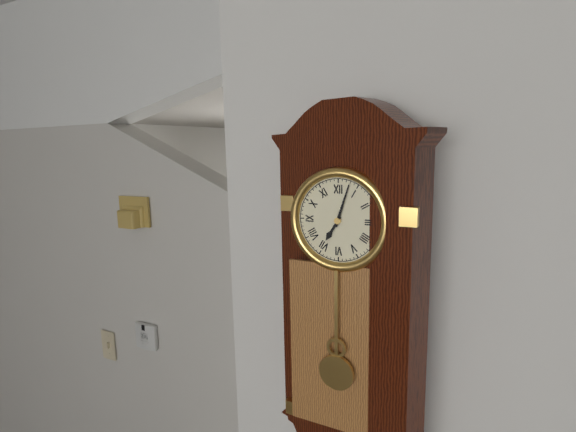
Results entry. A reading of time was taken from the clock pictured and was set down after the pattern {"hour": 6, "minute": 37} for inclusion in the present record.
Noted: {"hour": 7, "minute": 3}
